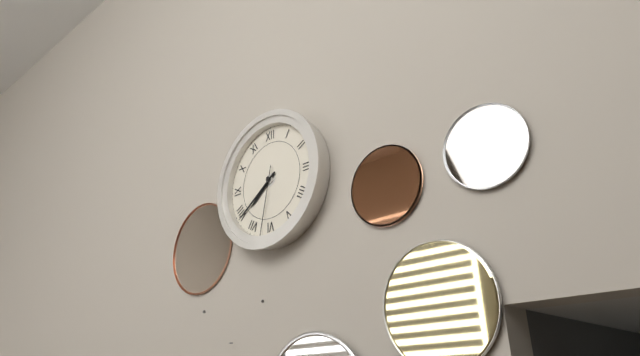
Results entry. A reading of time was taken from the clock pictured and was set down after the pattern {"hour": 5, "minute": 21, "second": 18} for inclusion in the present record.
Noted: {"hour": 7, "minute": 39, "second": 32}
